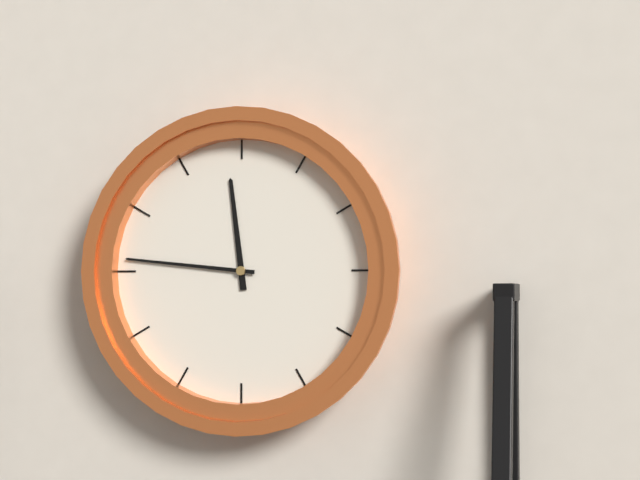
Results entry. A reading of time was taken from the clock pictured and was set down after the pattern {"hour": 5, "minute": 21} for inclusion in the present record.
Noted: {"hour": 11, "minute": 46}
